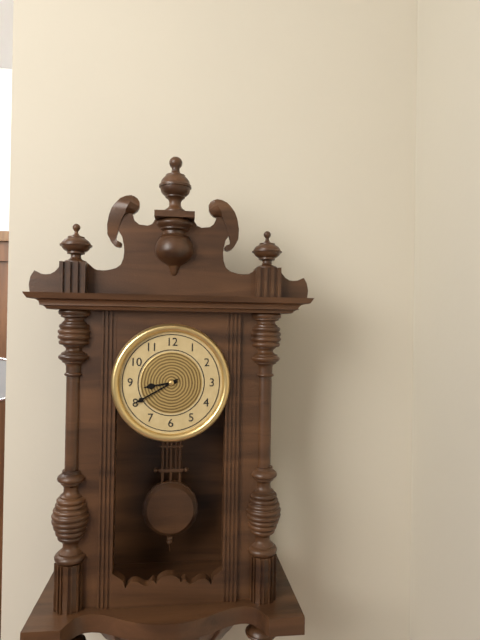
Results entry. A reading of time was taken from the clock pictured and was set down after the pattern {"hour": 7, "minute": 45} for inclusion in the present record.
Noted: {"hour": 8, "minute": 40}
